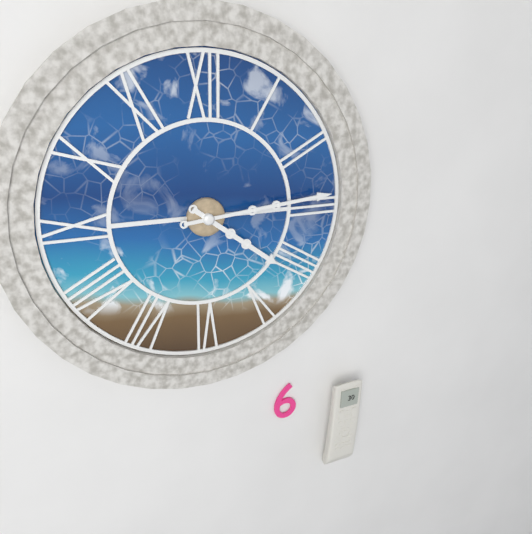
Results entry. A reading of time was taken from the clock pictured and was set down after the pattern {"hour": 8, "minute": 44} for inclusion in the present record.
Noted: {"hour": 4, "minute": 14}
